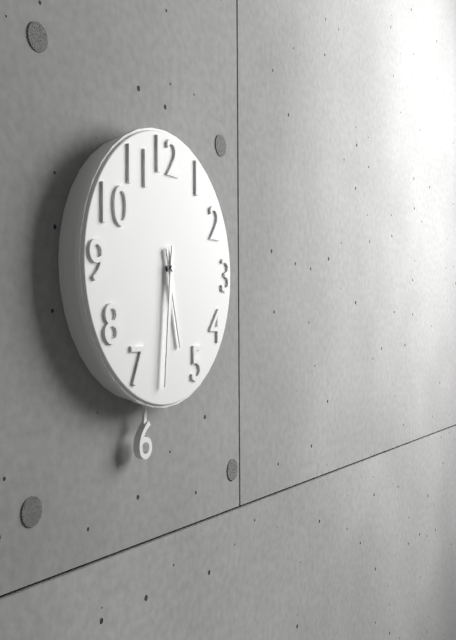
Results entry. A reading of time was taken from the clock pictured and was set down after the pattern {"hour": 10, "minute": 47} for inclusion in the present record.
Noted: {"hour": 5, "minute": 31}
